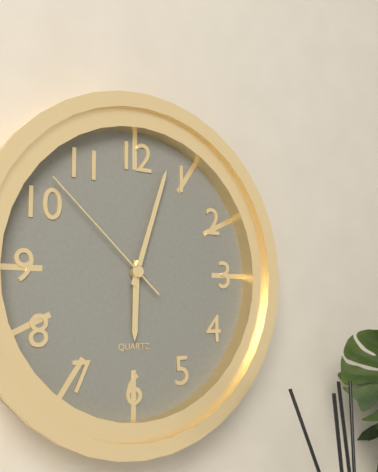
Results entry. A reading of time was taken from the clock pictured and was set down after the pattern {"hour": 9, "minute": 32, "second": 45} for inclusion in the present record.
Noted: {"hour": 6, "minute": 3, "second": 52}
